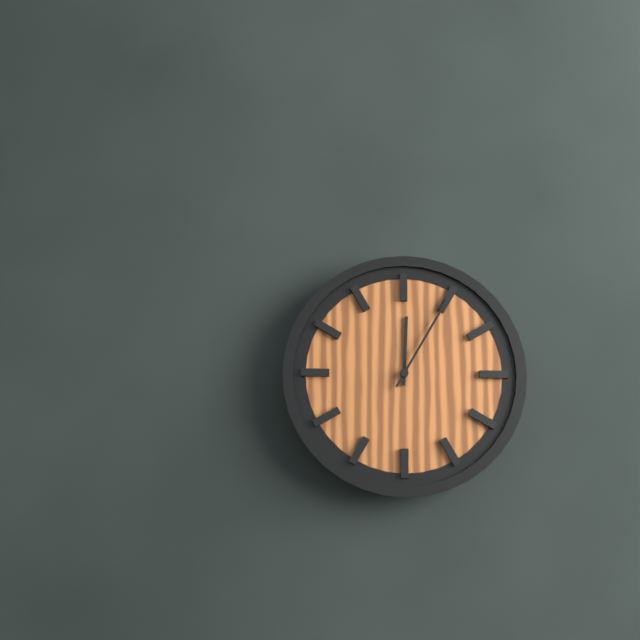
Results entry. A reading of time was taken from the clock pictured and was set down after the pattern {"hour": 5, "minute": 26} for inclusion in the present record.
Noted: {"hour": 12, "minute": 5}
